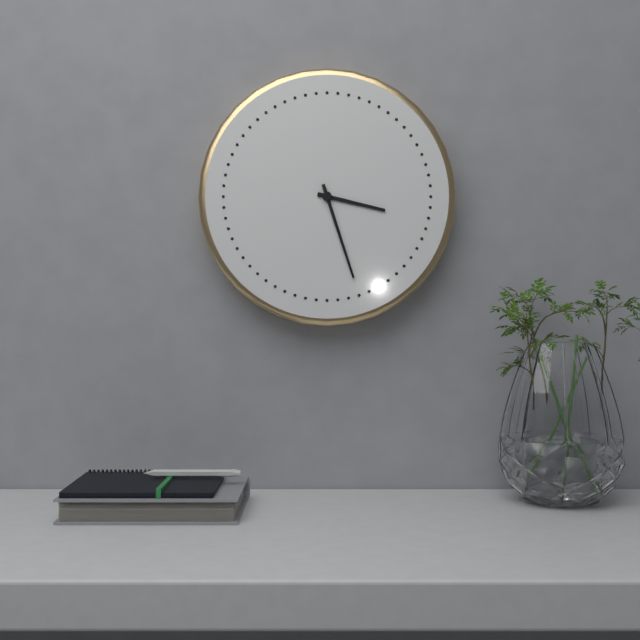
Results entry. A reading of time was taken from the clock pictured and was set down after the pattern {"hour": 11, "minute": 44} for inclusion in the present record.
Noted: {"hour": 3, "minute": 27}
